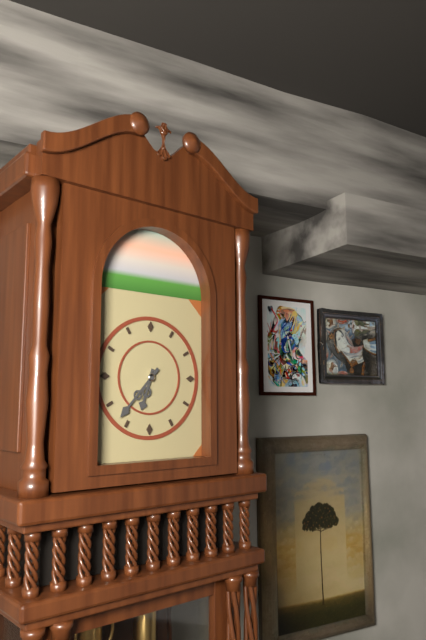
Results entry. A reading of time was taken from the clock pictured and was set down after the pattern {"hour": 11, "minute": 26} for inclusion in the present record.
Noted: {"hour": 6, "minute": 37}
